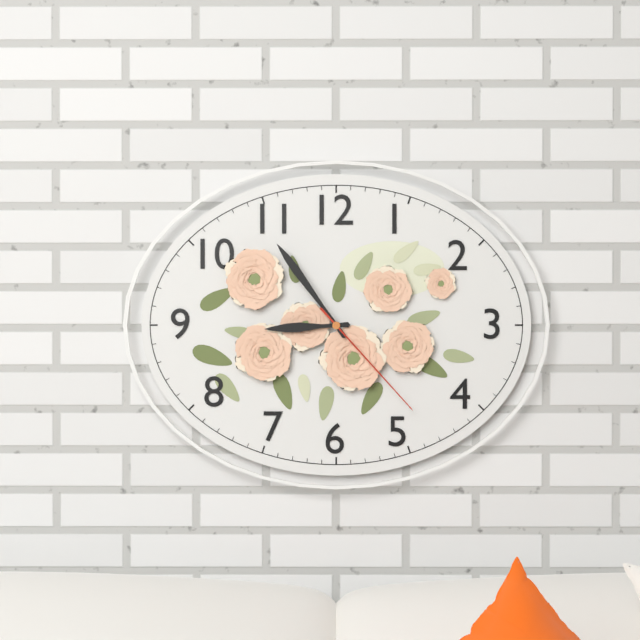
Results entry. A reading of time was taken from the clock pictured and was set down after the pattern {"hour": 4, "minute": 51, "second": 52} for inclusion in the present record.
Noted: {"hour": 8, "minute": 54, "second": 23}
